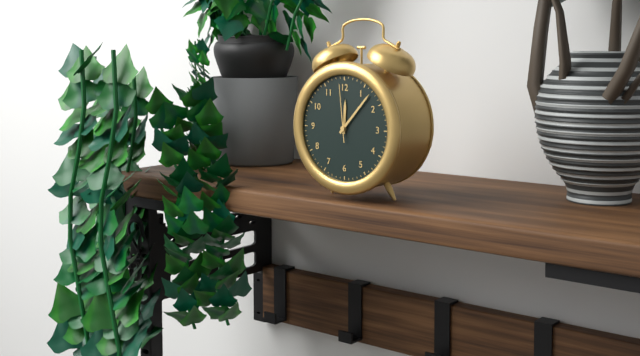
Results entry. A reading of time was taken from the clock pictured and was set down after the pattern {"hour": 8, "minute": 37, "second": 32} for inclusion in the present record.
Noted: {"hour": 12, "minute": 7, "second": 59}
